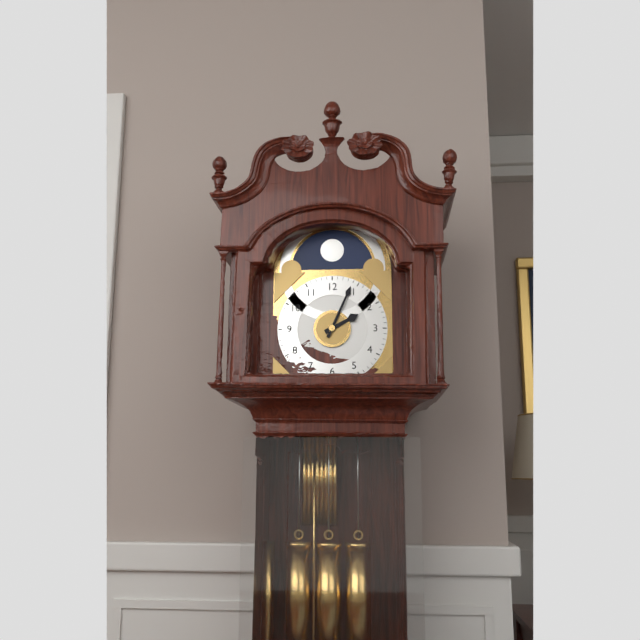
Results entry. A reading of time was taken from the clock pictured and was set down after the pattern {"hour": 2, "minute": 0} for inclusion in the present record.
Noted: {"hour": 2, "minute": 4}
